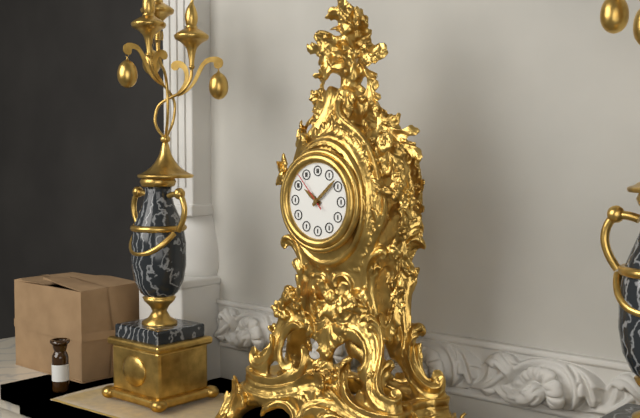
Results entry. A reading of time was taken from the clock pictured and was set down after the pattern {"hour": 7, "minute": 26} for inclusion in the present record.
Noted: {"hour": 10, "minute": 8}
